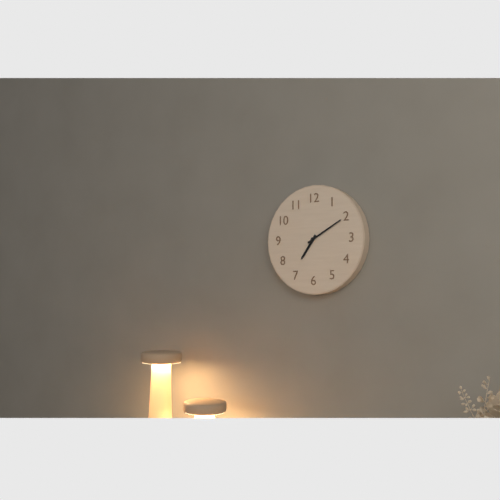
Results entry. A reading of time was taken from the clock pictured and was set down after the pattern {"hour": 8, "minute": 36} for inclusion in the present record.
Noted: {"hour": 7, "minute": 10}
